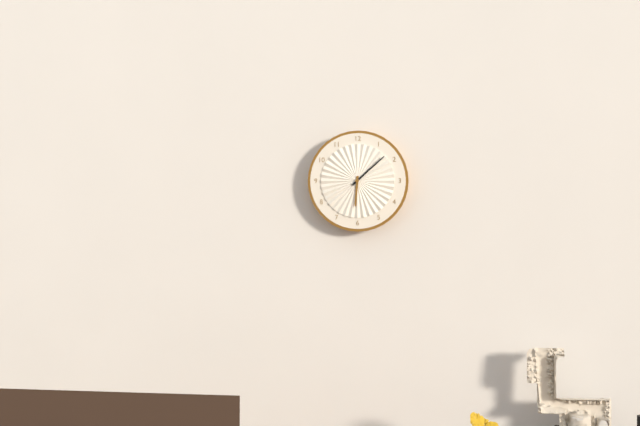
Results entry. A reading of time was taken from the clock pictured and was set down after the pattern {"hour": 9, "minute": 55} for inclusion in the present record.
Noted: {"hour": 6, "minute": 8}
